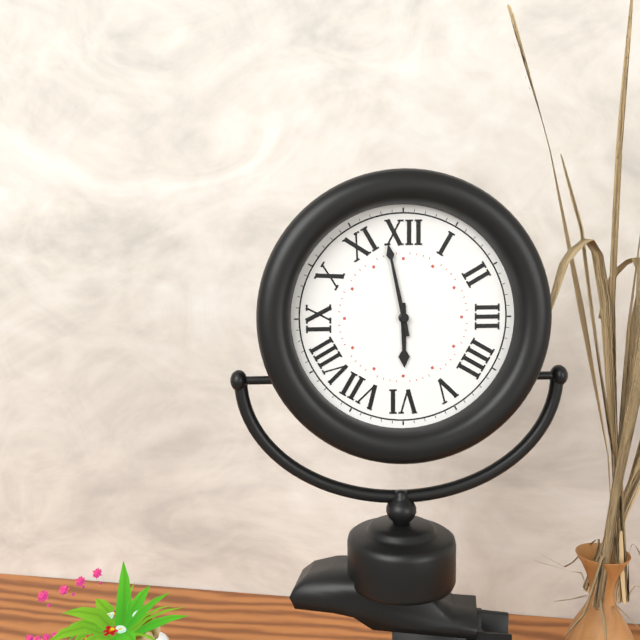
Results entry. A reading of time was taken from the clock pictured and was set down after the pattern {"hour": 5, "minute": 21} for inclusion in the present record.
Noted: {"hour": 5, "minute": 58}
